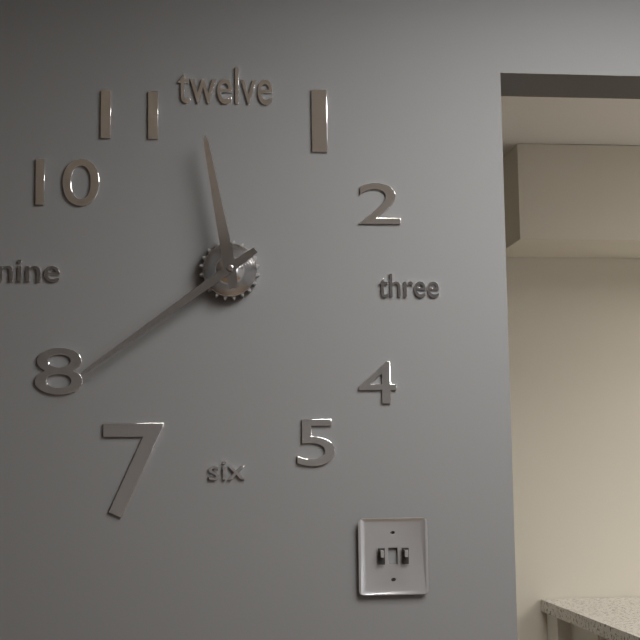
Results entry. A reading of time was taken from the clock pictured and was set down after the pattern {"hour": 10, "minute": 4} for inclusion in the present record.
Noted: {"hour": 11, "minute": 39}
